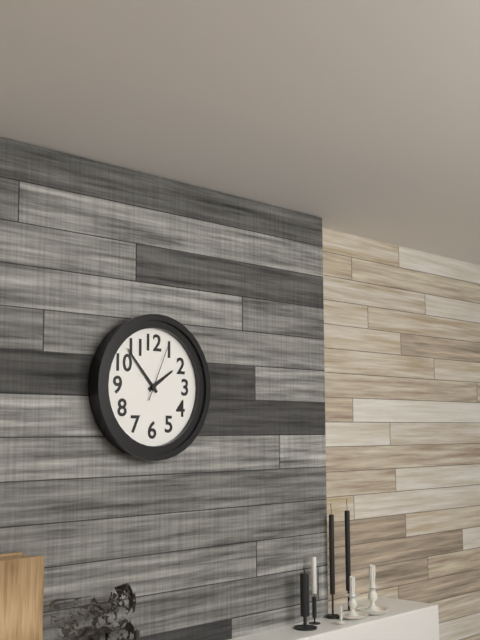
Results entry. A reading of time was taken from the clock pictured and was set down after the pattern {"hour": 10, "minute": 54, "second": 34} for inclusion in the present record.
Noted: {"hour": 1, "minute": 53, "second": 4}
